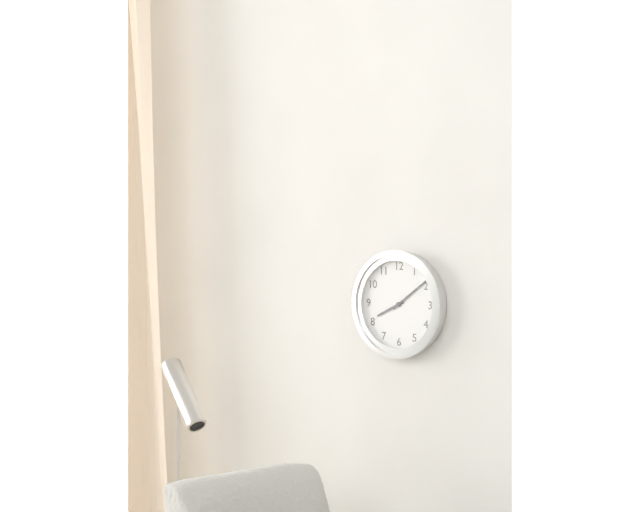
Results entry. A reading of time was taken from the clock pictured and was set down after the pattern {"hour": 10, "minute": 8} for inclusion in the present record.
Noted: {"hour": 8, "minute": 9}
